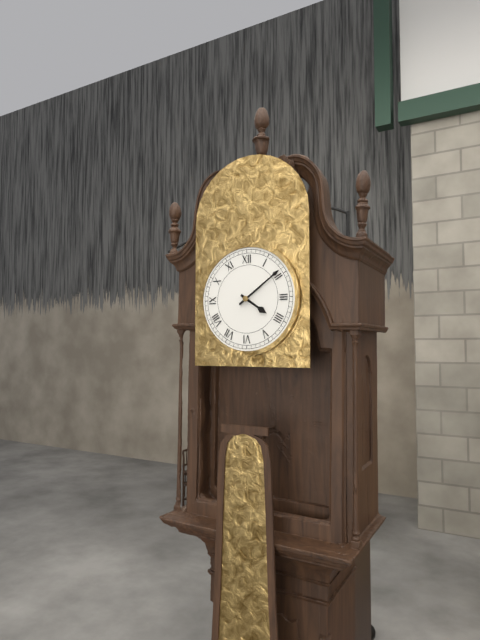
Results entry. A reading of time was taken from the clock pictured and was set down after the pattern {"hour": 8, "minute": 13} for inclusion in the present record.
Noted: {"hour": 4, "minute": 9}
